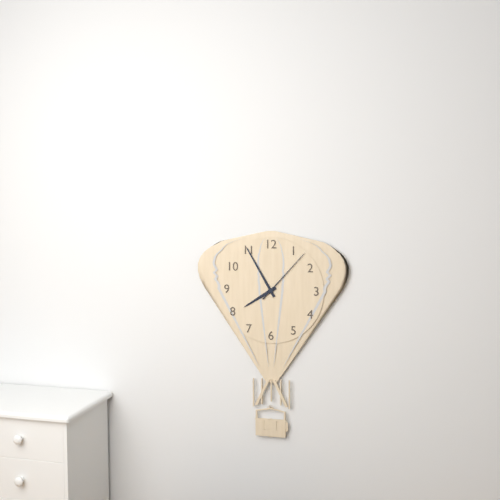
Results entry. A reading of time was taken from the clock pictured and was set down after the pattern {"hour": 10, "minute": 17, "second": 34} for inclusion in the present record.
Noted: {"hour": 7, "minute": 55, "second": 7}
